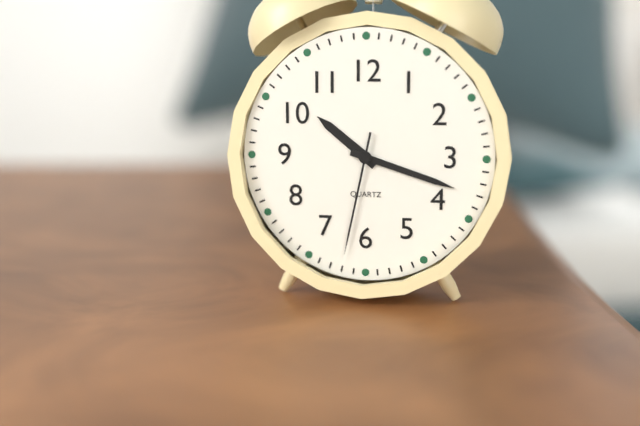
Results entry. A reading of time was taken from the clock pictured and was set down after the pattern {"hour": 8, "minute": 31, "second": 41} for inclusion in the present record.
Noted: {"hour": 10, "minute": 18, "second": 32}
